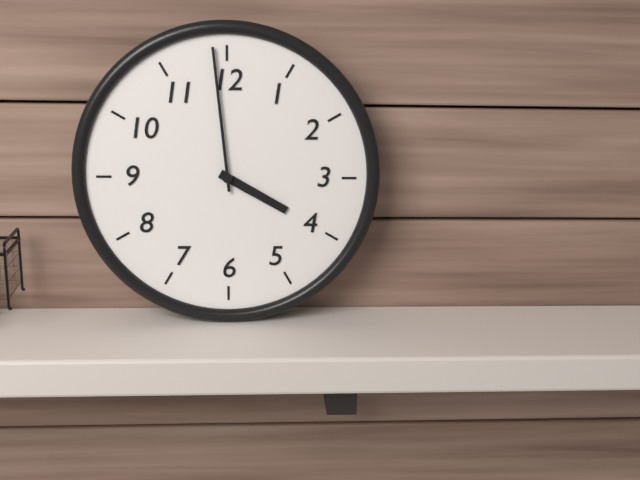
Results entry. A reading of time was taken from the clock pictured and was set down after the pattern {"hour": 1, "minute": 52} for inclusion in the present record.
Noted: {"hour": 3, "minute": 59}
